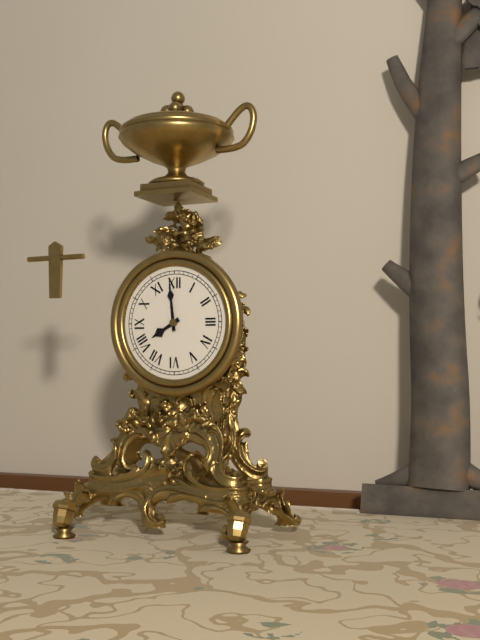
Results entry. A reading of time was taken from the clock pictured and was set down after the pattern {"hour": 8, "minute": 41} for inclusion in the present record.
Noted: {"hour": 7, "minute": 59}
